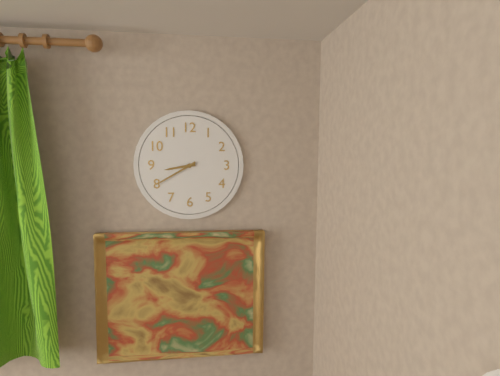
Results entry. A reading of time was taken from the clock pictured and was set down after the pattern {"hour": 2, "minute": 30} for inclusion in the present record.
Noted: {"hour": 8, "minute": 40}
